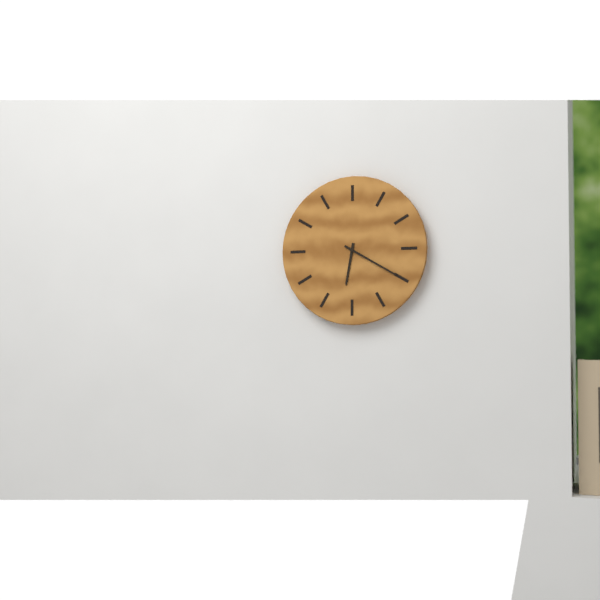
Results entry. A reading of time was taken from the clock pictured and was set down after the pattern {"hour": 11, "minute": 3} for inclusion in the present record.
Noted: {"hour": 6, "minute": 20}
